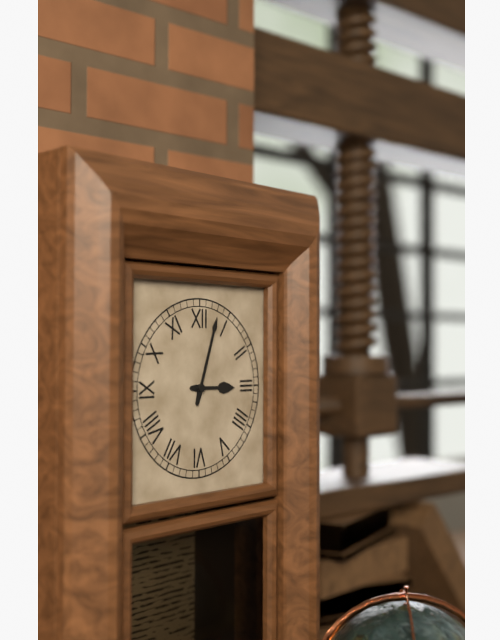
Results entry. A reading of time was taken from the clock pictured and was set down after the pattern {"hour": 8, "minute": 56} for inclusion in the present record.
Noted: {"hour": 3, "minute": 3}
